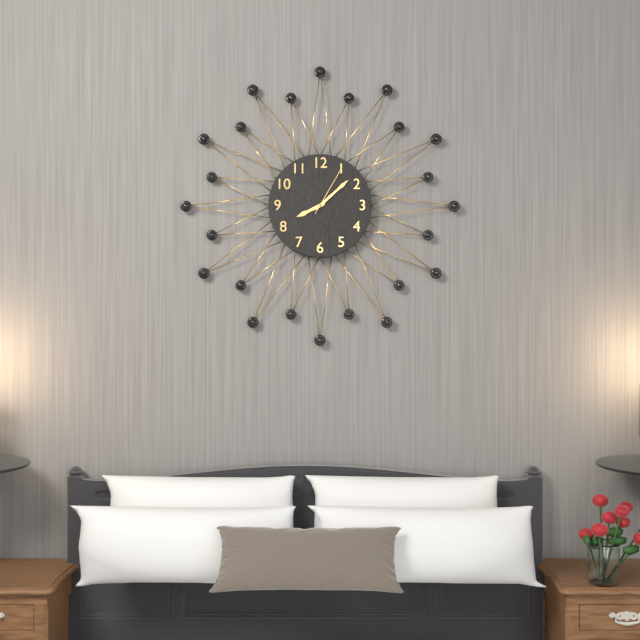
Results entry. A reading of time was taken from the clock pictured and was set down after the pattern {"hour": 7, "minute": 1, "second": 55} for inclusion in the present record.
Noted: {"hour": 8, "minute": 8, "second": 5}
